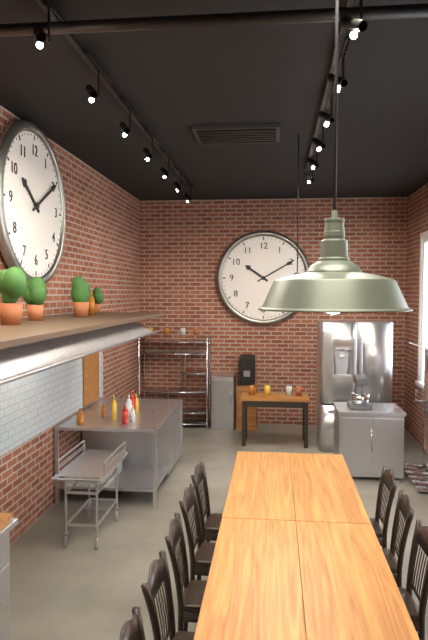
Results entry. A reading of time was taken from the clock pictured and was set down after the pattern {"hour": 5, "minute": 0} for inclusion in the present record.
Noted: {"hour": 10, "minute": 10}
